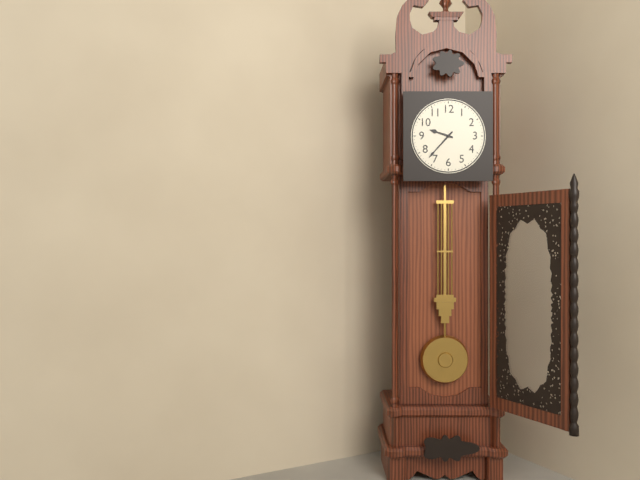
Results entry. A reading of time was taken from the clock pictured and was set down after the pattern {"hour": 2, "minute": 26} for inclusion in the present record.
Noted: {"hour": 9, "minute": 37}
